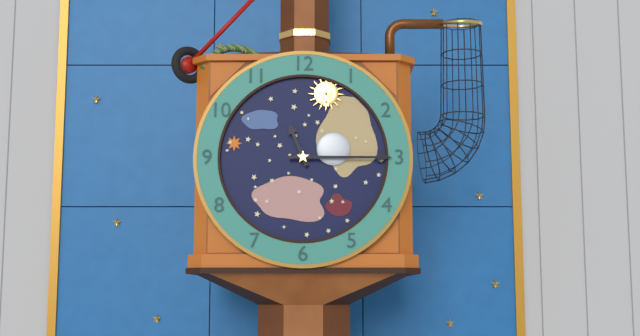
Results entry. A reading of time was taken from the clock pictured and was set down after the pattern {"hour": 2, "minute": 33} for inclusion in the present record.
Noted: {"hour": 11, "minute": 15}
